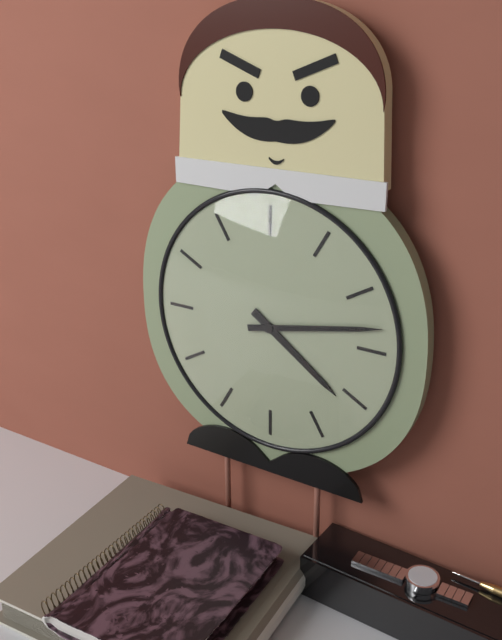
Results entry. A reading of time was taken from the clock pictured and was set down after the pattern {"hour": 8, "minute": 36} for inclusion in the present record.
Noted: {"hour": 4, "minute": 13}
